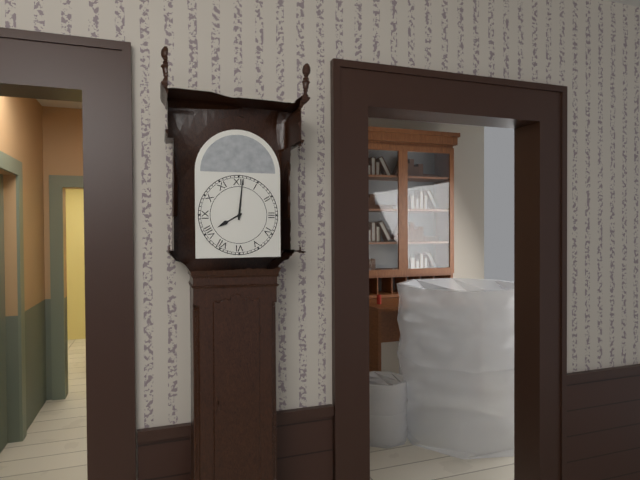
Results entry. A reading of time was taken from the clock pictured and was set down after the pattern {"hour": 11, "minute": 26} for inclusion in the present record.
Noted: {"hour": 8, "minute": 1}
